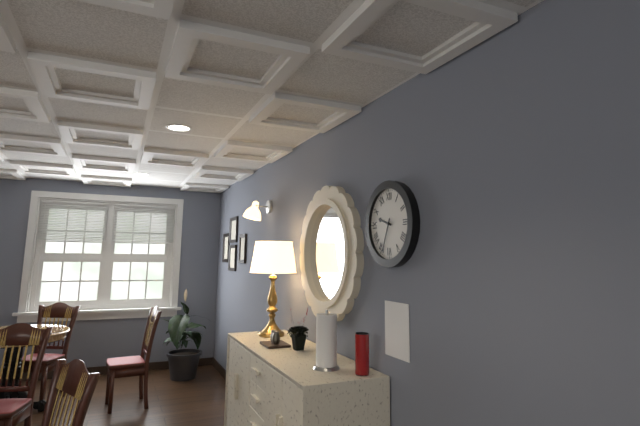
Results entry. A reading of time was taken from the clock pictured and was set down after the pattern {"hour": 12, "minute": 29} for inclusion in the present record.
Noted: {"hour": 9, "minute": 34}
